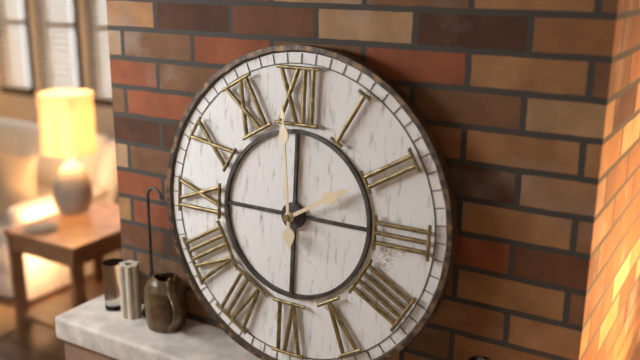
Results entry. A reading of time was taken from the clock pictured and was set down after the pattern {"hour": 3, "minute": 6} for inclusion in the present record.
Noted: {"hour": 1, "minute": 59}
